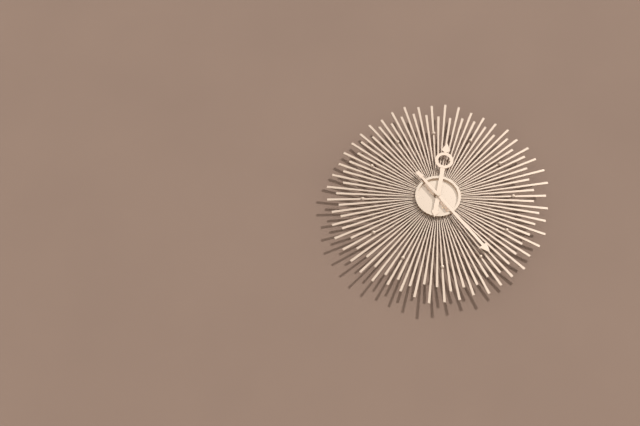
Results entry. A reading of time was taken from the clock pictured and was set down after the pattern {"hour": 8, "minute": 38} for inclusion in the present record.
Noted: {"hour": 12, "minute": 24}
